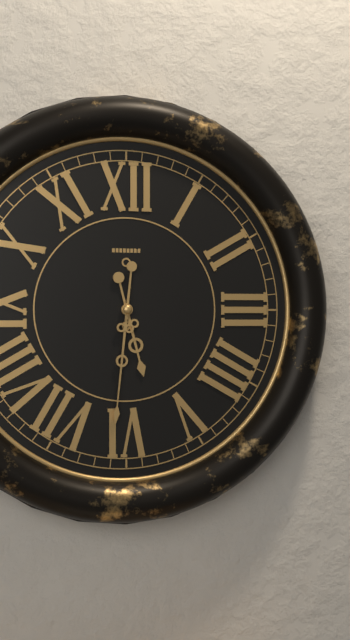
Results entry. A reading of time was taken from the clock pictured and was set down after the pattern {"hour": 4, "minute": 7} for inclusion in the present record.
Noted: {"hour": 5, "minute": 31}
